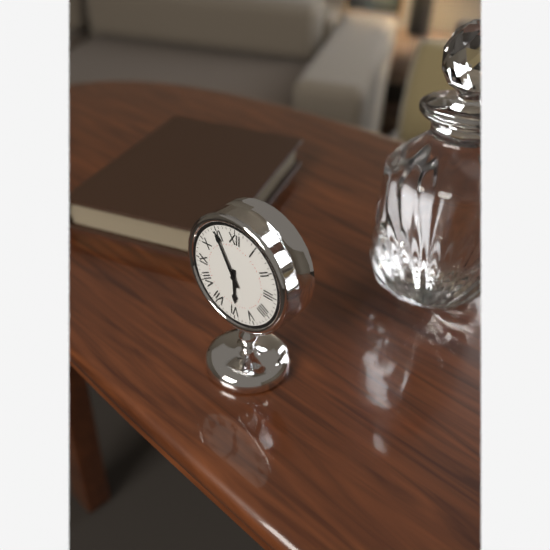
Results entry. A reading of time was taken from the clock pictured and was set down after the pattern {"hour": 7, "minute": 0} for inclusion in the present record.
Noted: {"hour": 5, "minute": 55}
